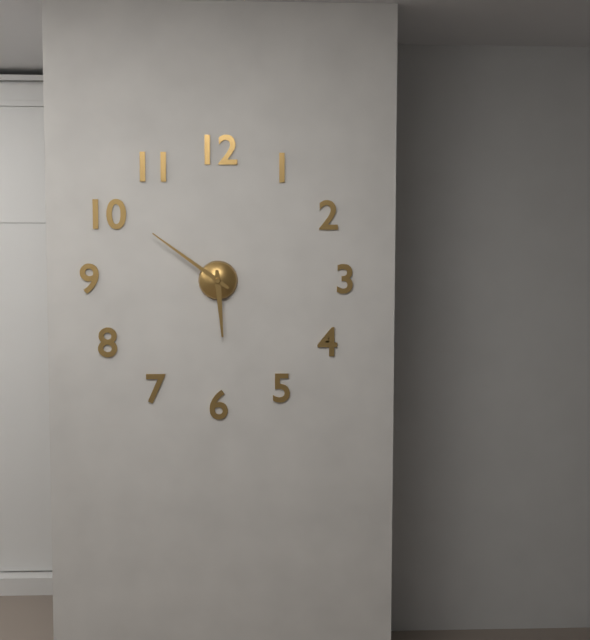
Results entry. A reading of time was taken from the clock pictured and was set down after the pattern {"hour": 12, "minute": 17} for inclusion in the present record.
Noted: {"hour": 5, "minute": 51}
